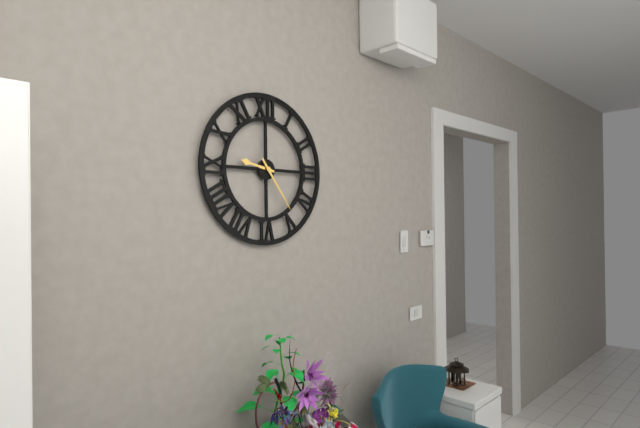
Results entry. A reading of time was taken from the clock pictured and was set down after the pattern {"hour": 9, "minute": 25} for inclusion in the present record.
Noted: {"hour": 9, "minute": 24}
